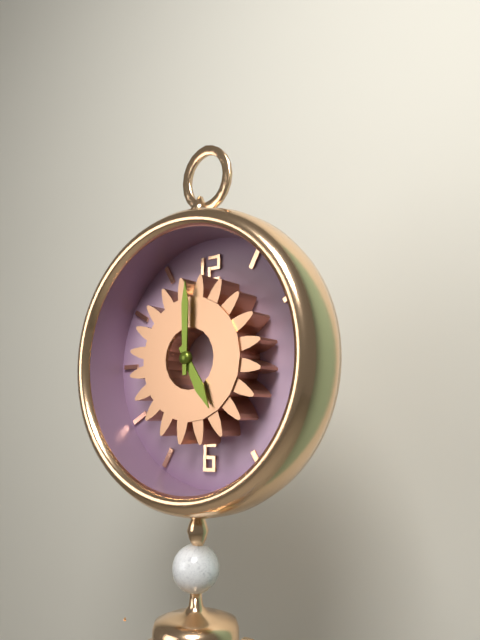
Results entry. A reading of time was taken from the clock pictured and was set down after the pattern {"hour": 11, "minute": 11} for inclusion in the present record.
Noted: {"hour": 5, "minute": 0}
